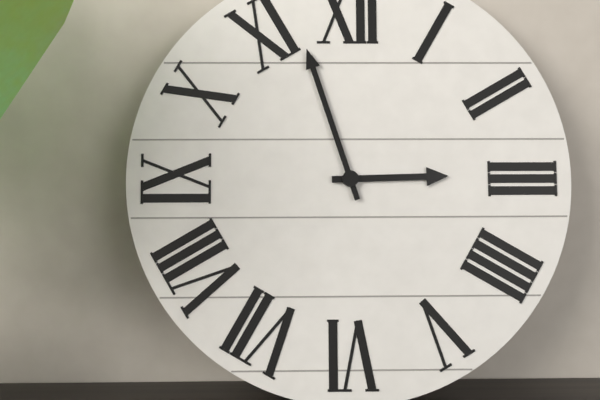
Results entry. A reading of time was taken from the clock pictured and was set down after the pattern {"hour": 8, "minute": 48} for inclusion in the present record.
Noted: {"hour": 2, "minute": 57}
